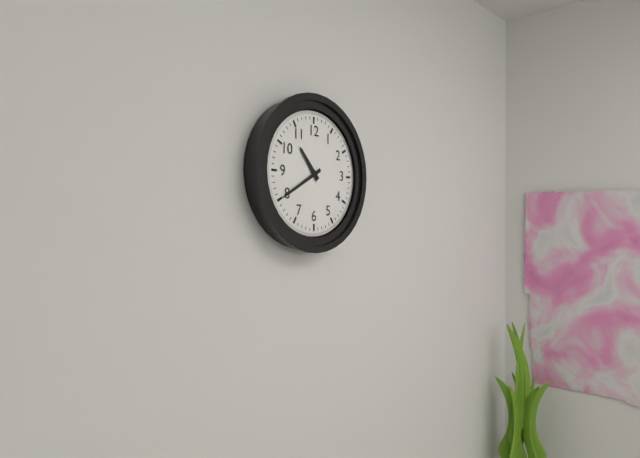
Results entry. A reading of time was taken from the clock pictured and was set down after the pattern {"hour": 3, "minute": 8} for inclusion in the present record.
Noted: {"hour": 10, "minute": 40}
